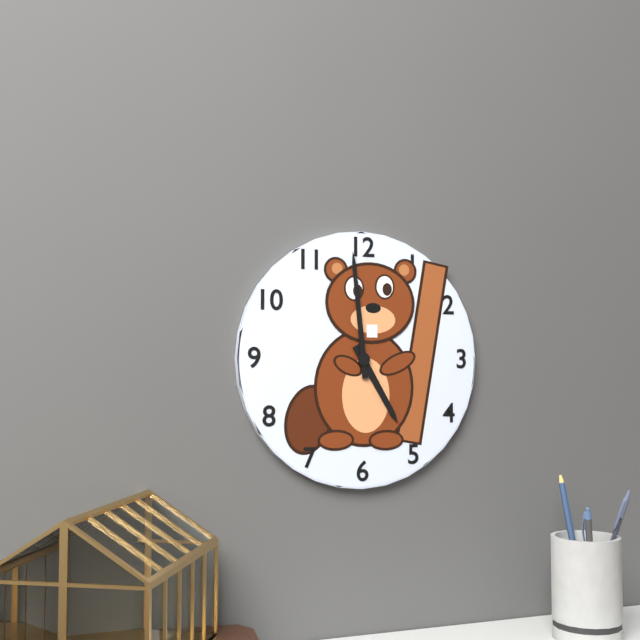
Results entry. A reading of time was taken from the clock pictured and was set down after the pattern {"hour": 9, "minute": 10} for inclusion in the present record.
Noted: {"hour": 4, "minute": 59}
